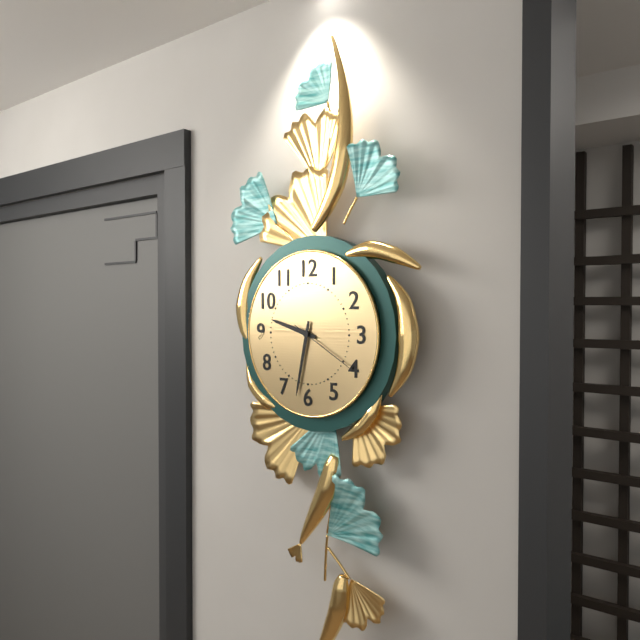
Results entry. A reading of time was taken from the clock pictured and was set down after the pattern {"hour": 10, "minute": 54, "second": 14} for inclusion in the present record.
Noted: {"hour": 9, "minute": 32, "second": 20}
